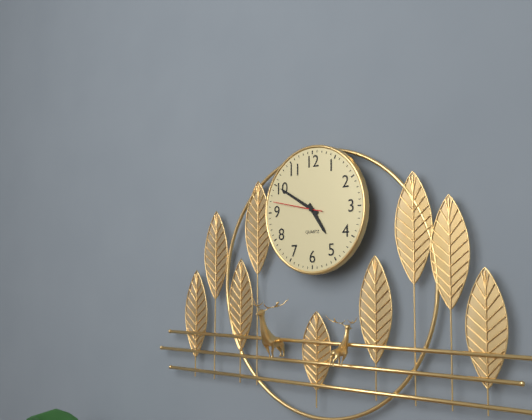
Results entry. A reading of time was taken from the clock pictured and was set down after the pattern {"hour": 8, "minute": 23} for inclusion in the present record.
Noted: {"hour": 4, "minute": 50}
